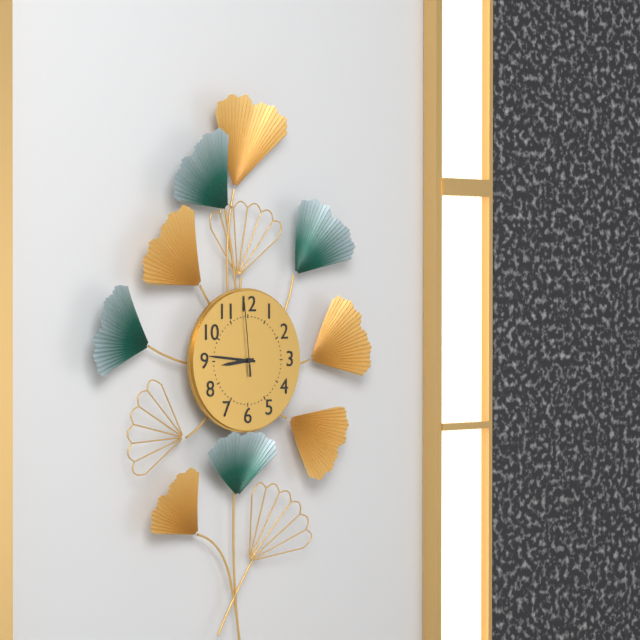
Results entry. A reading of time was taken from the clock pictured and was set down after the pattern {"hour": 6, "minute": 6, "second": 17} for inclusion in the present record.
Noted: {"hour": 8, "minute": 46, "second": 59}
